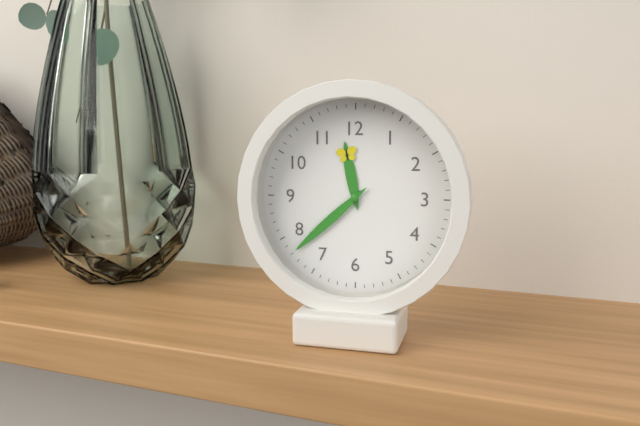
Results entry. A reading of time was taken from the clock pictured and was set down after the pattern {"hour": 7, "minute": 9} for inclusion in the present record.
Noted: {"hour": 11, "minute": 38}
